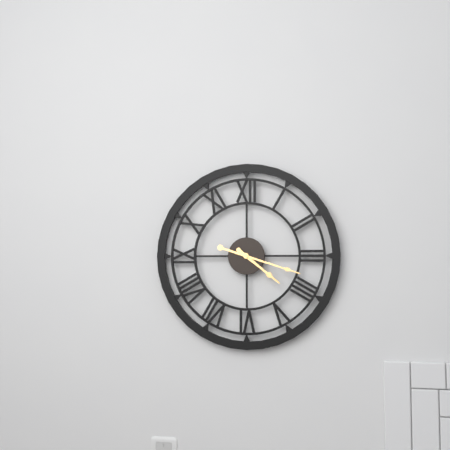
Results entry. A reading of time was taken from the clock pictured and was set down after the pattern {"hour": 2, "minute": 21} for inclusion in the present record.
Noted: {"hour": 4, "minute": 18}
